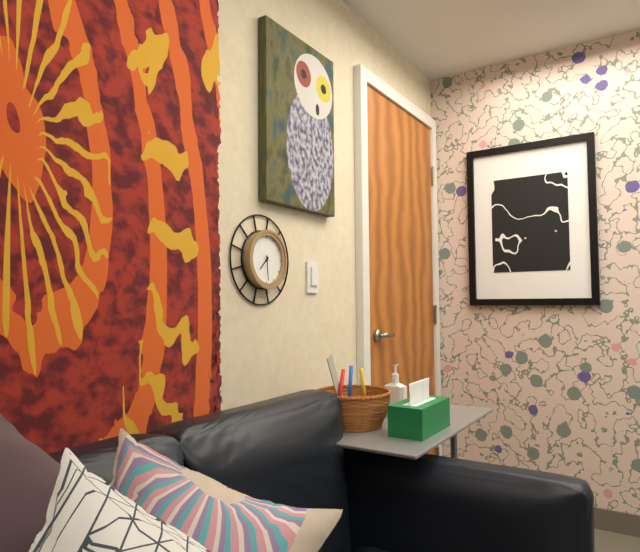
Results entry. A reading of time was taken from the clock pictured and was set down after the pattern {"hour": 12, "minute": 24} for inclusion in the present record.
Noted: {"hour": 7, "minute": 29}
